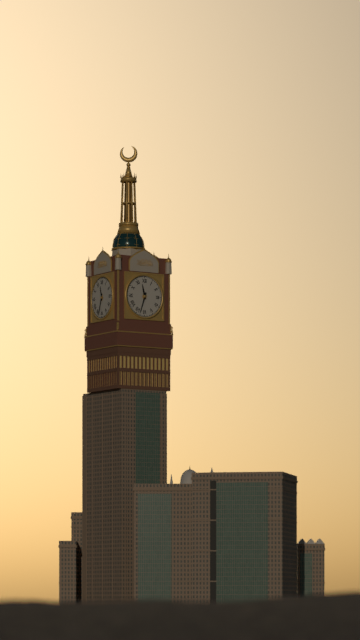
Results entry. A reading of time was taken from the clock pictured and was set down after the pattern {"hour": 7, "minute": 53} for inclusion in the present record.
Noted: {"hour": 11, "minute": 33}
